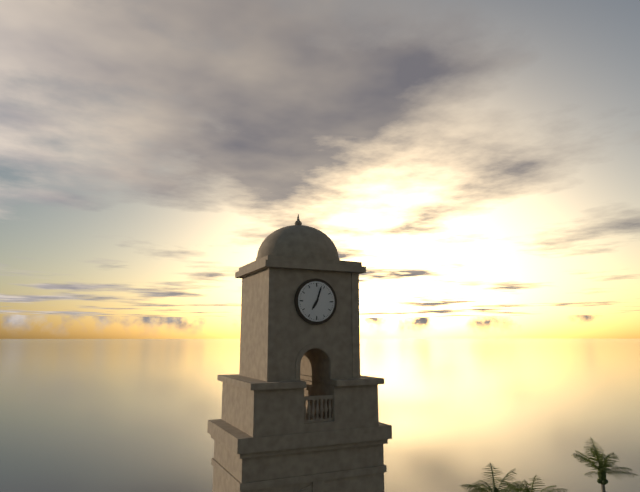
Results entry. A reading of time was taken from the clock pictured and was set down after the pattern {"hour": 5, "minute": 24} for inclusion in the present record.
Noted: {"hour": 7, "minute": 3}
